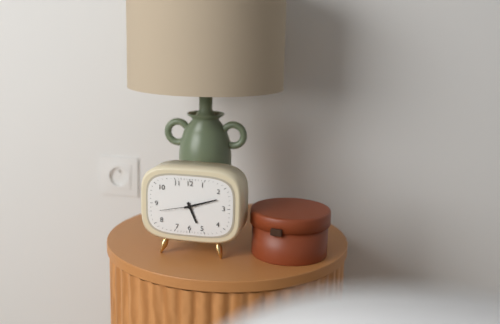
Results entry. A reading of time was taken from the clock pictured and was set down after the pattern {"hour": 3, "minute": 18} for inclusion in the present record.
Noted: {"hour": 5, "minute": 12}
